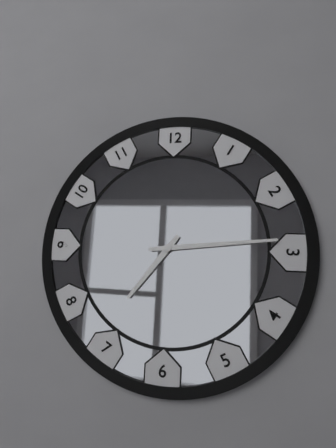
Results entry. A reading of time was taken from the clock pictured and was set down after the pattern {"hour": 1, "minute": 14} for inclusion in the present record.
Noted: {"hour": 7, "minute": 14}
